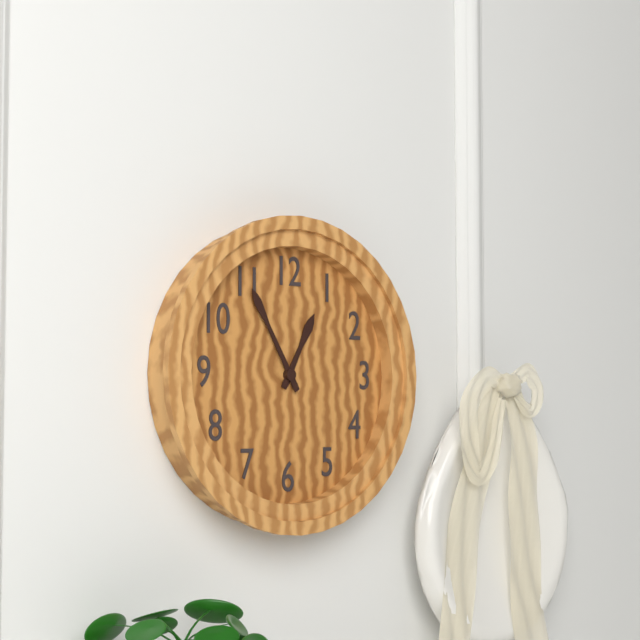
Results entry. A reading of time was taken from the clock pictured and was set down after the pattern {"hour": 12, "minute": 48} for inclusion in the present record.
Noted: {"hour": 12, "minute": 55}
